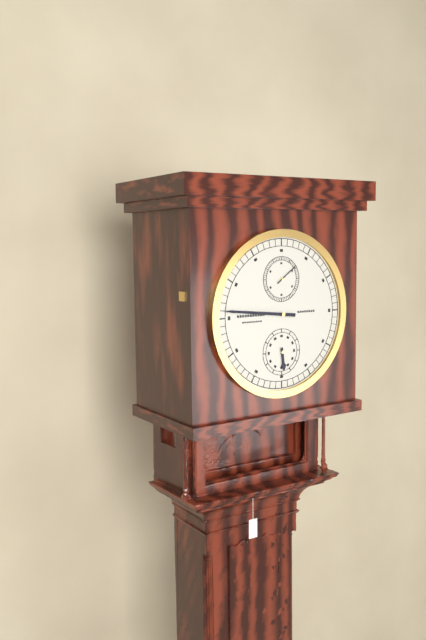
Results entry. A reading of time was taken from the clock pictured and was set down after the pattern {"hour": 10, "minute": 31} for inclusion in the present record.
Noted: {"hour": 5, "minute": 46}
